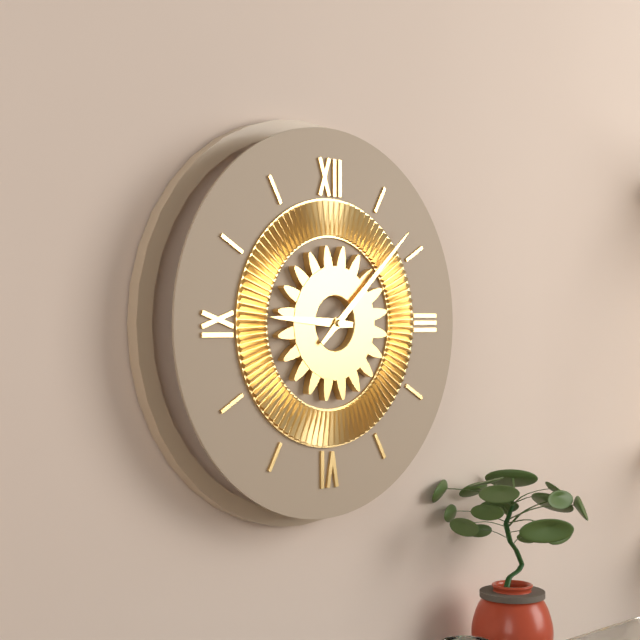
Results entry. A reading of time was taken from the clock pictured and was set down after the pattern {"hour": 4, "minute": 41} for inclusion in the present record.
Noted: {"hour": 9, "minute": 8}
